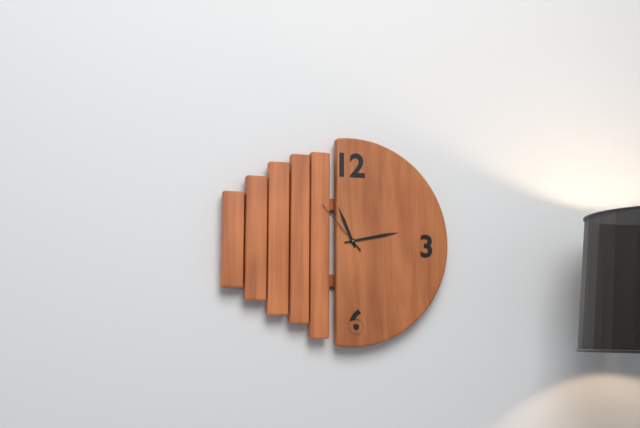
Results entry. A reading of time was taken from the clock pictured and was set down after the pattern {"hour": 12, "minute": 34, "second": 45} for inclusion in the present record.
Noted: {"hour": 11, "minute": 13, "second": 53}
